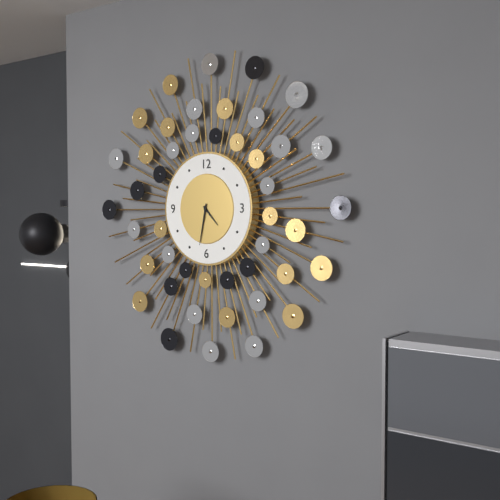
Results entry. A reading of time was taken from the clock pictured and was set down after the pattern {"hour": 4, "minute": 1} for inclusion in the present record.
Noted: {"hour": 4, "minute": 32}
